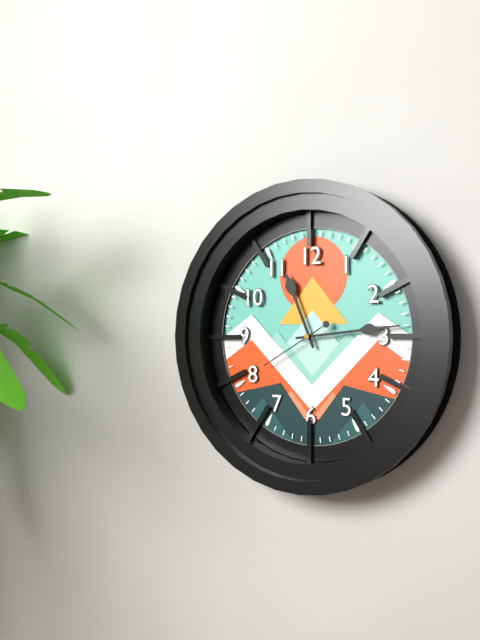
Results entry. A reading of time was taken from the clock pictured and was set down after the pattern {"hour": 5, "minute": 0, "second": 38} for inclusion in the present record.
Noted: {"hour": 11, "minute": 14, "second": 40}
